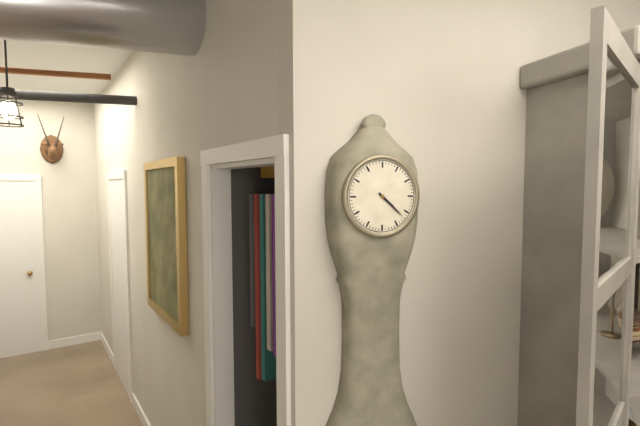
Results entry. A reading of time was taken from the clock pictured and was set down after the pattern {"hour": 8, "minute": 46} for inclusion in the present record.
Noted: {"hour": 4, "minute": 22}
